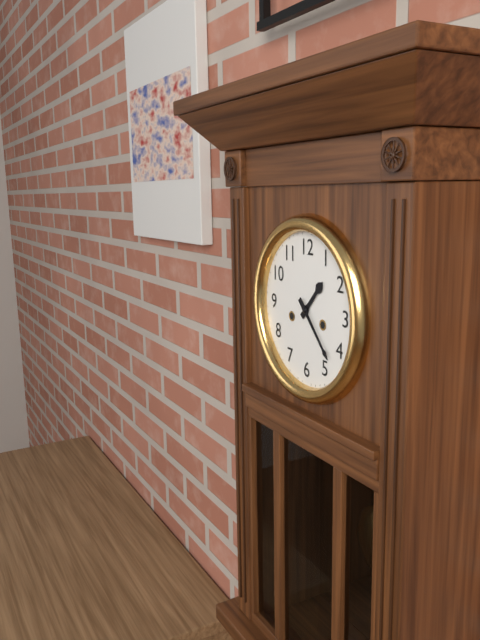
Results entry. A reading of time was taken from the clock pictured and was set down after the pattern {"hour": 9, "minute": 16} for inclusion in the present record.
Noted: {"hour": 1, "minute": 23}
